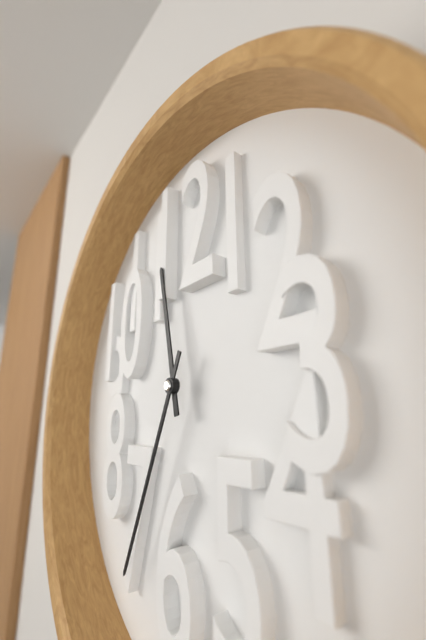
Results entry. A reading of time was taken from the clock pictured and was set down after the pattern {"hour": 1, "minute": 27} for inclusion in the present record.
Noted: {"hour": 11, "minute": 34}
